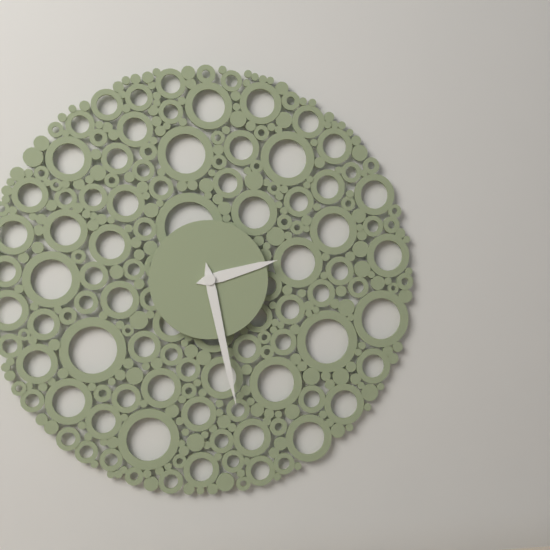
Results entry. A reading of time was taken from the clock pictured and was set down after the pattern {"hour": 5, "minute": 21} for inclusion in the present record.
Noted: {"hour": 2, "minute": 28}
